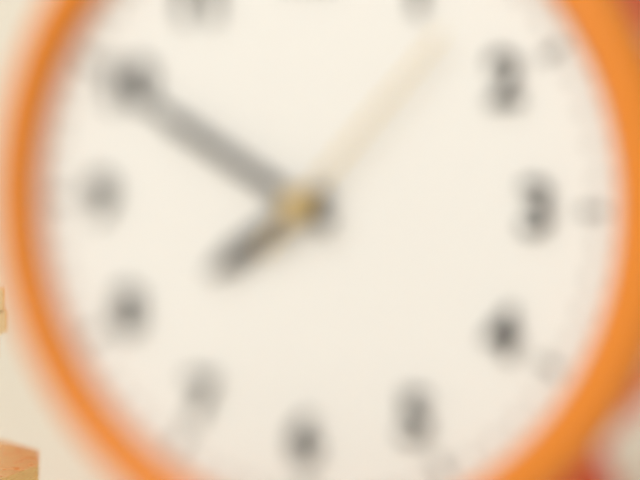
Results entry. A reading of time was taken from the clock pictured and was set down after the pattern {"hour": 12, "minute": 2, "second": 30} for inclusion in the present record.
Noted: {"hour": 7, "minute": 50, "second": 7}
